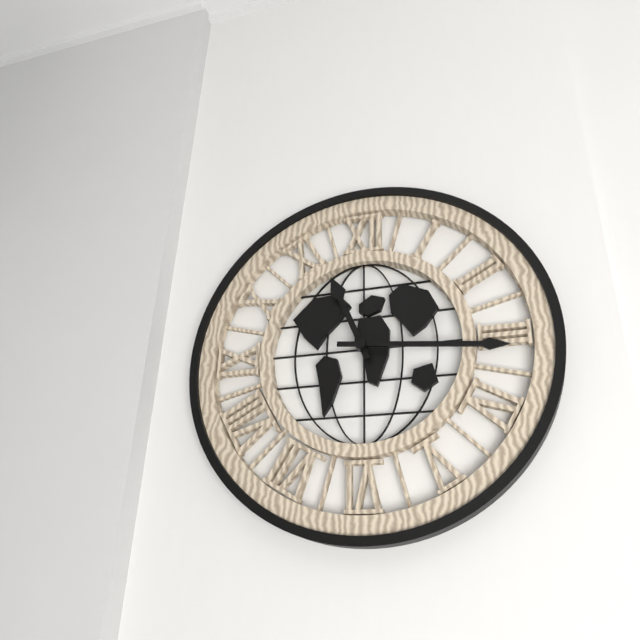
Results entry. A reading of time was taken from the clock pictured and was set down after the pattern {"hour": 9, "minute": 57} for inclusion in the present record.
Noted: {"hour": 11, "minute": 16}
